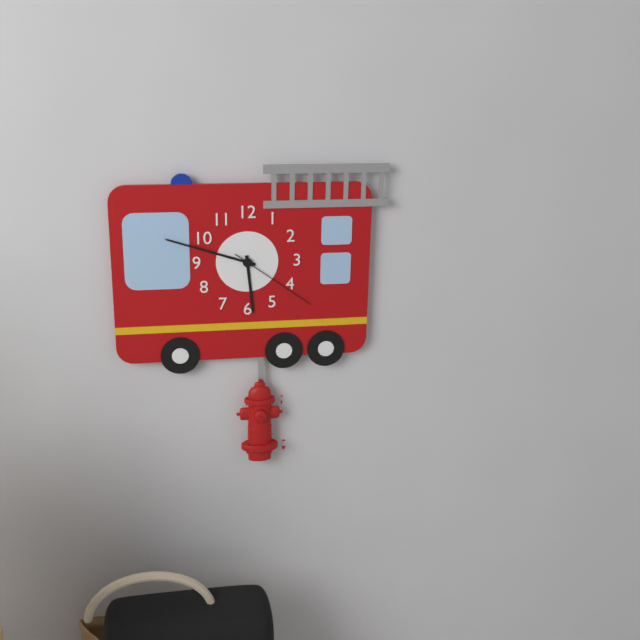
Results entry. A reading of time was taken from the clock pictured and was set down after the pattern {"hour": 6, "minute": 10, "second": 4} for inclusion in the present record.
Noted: {"hour": 5, "minute": 48, "second": 21}
